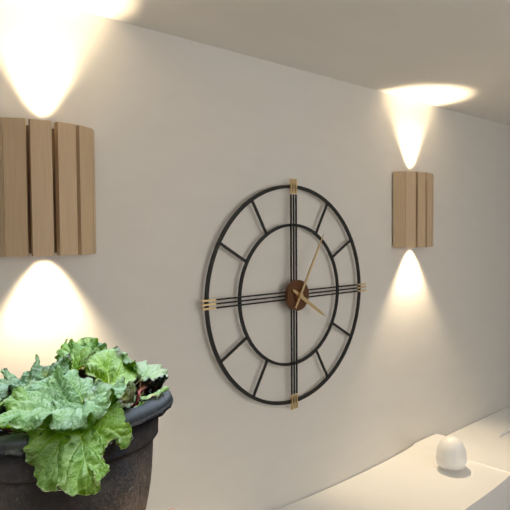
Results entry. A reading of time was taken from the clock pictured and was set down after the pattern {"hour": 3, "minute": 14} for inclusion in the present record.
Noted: {"hour": 4, "minute": 5}
